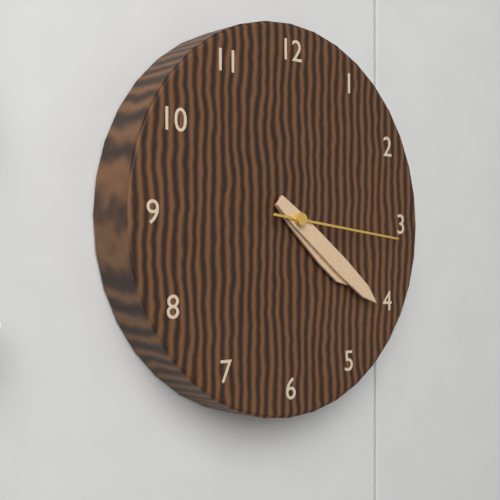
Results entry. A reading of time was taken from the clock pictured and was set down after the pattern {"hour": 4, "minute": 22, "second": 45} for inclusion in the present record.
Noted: {"hour": 4, "minute": 21, "second": 16}
